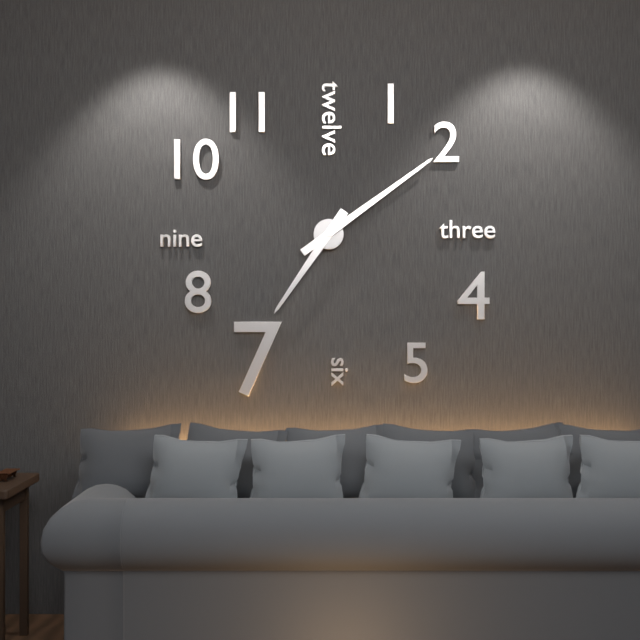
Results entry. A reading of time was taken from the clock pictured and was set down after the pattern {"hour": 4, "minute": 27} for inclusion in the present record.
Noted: {"hour": 7, "minute": 9}
